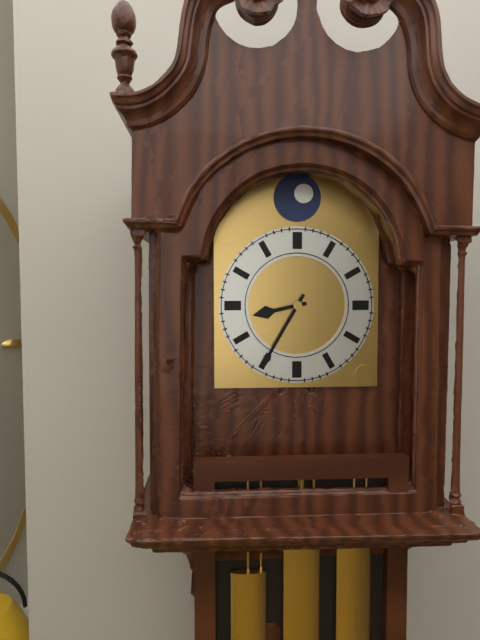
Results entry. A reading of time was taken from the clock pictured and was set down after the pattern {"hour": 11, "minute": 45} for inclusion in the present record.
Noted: {"hour": 8, "minute": 35}
